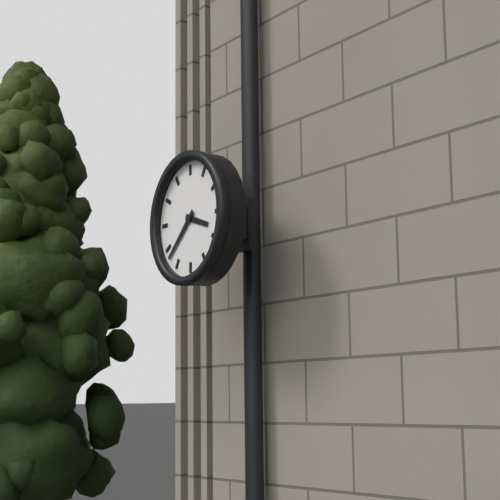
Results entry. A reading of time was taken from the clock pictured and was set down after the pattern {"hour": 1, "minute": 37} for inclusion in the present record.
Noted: {"hour": 3, "minute": 38}
